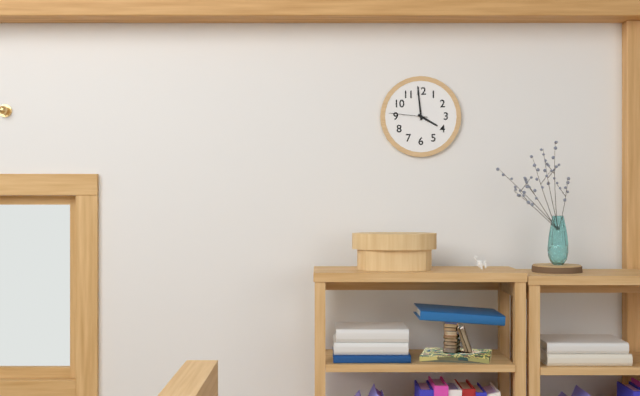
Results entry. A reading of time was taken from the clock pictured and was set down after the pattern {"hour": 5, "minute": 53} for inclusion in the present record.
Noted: {"hour": 3, "minute": 59}
